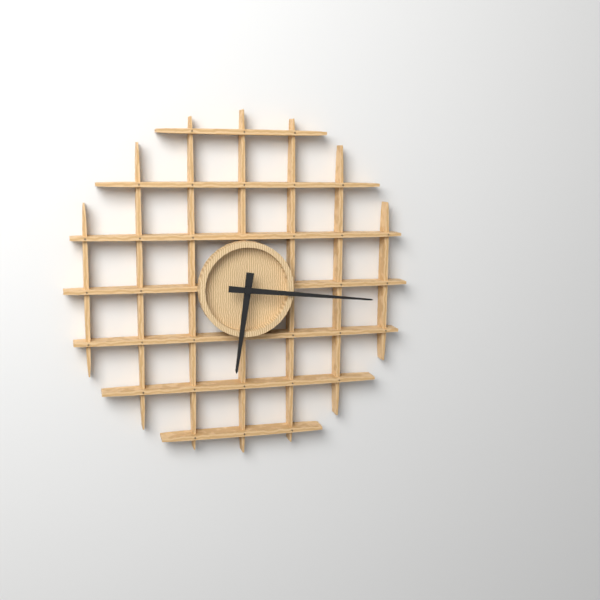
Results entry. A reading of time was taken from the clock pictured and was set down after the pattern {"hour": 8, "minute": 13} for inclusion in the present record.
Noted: {"hour": 6, "minute": 16}
